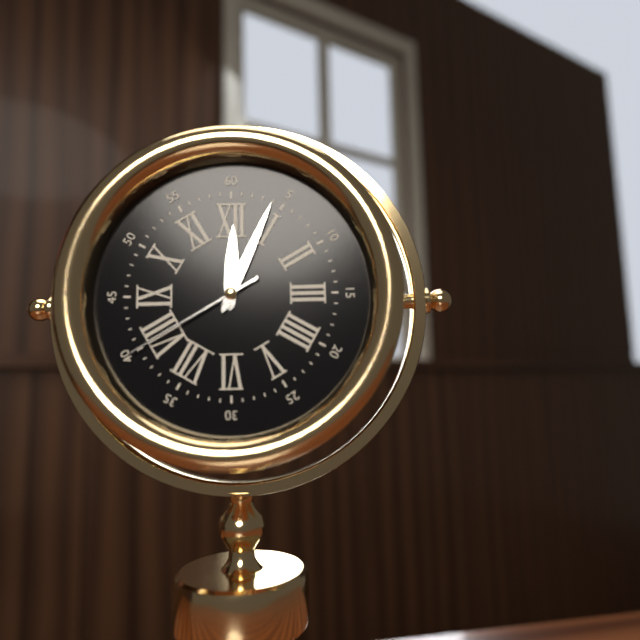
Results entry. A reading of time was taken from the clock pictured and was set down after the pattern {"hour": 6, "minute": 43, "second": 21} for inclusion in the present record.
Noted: {"hour": 12, "minute": 4, "second": 40}
